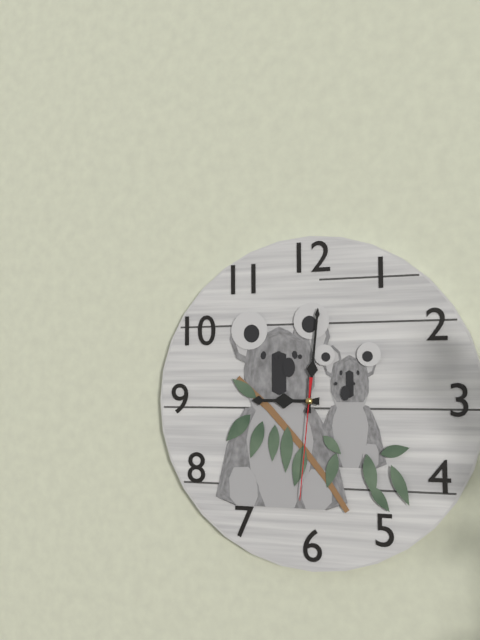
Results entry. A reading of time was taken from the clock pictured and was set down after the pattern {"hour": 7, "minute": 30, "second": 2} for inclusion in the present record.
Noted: {"hour": 9, "minute": 1, "second": 31}
